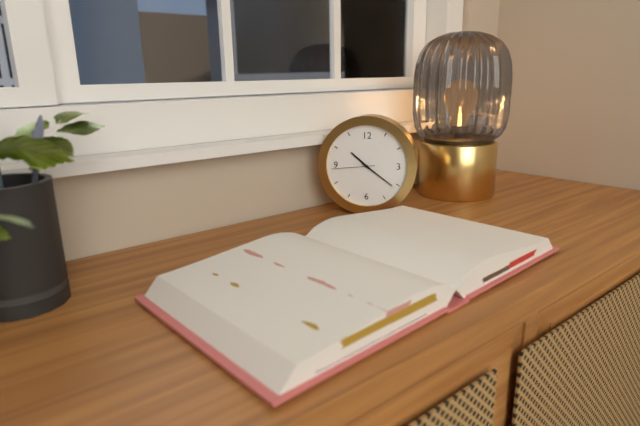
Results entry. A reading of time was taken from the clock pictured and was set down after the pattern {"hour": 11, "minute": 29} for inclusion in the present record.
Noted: {"hour": 10, "minute": 21}
